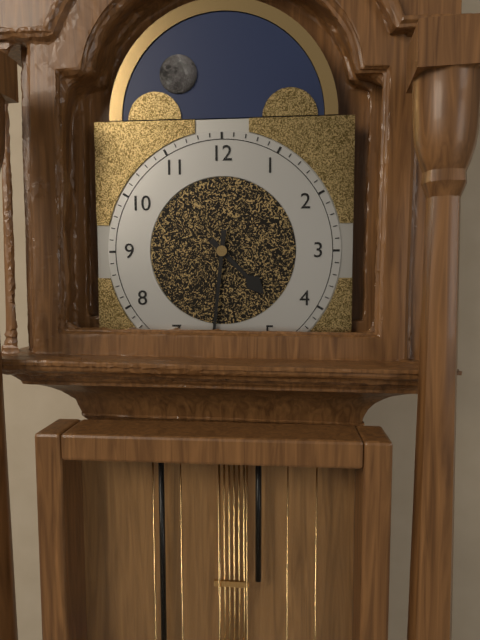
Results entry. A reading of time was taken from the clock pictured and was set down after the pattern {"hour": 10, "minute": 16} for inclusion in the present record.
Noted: {"hour": 4, "minute": 31}
